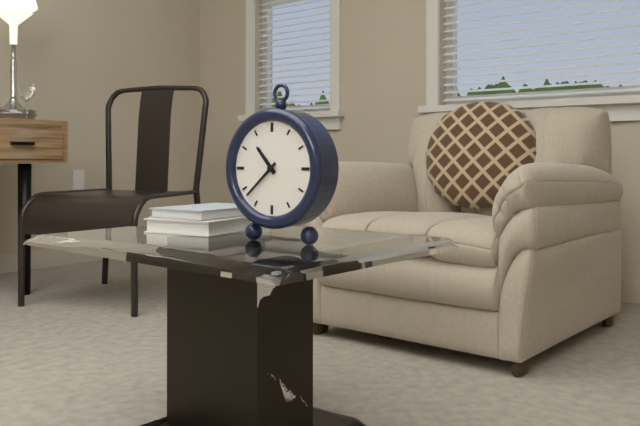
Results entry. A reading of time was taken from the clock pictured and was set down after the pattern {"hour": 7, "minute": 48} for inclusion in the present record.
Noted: {"hour": 10, "minute": 38}
